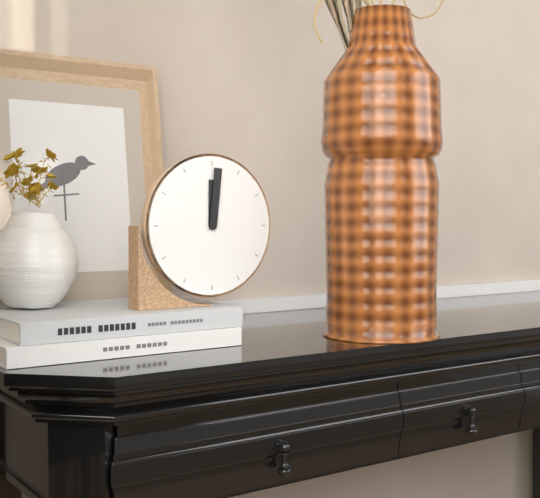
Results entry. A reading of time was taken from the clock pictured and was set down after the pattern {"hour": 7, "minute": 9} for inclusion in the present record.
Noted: {"hour": 12, "minute": 1}
